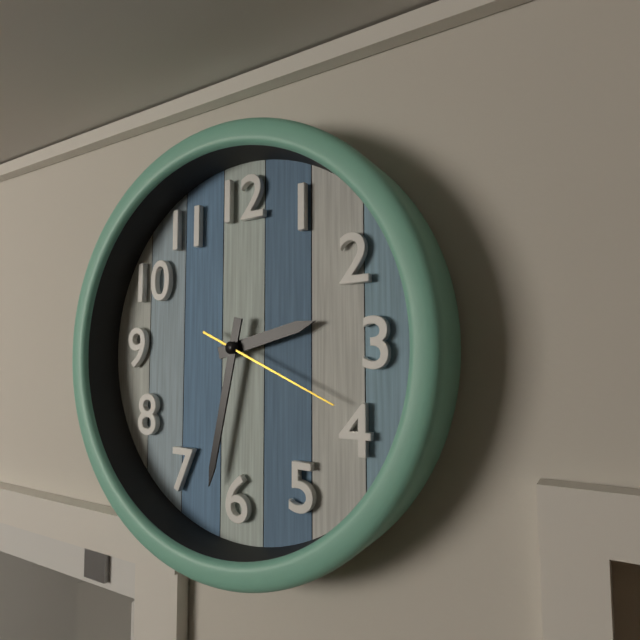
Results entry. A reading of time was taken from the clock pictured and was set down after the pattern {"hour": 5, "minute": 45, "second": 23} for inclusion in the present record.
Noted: {"hour": 2, "minute": 32, "second": 19}
